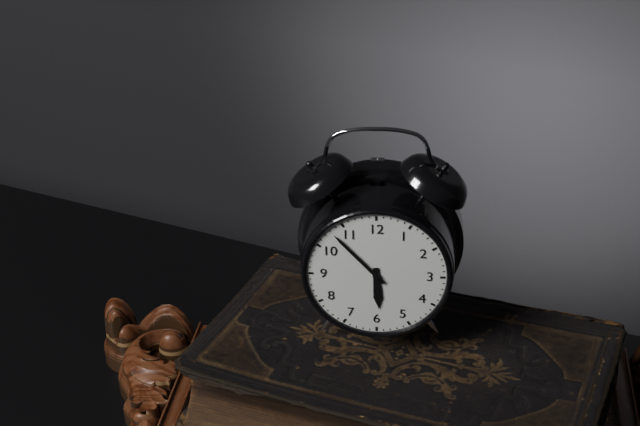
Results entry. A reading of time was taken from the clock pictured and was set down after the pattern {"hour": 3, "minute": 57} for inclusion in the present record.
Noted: {"hour": 5, "minute": 53}
